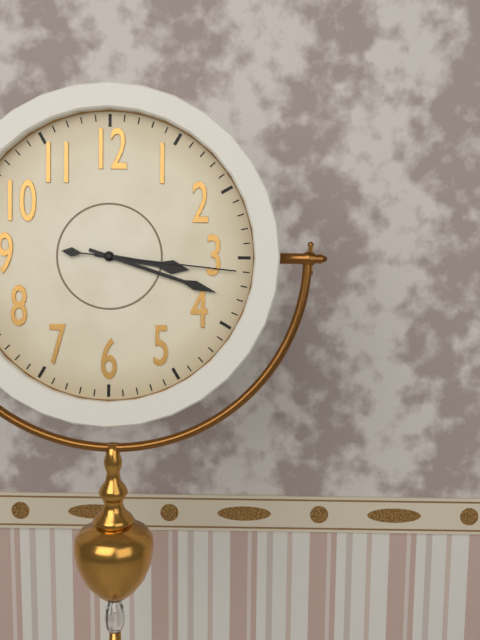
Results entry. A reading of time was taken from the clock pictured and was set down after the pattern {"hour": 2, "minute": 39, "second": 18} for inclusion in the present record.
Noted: {"hour": 3, "minute": 18, "second": 16}
